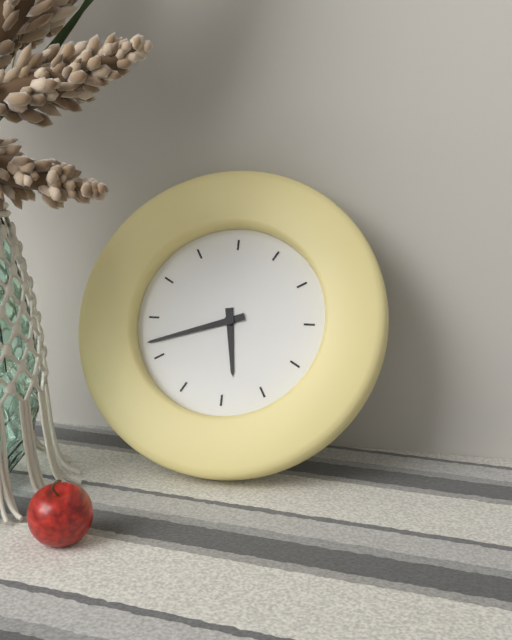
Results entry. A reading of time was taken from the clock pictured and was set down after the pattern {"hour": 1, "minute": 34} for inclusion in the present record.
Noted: {"hour": 5, "minute": 42}
